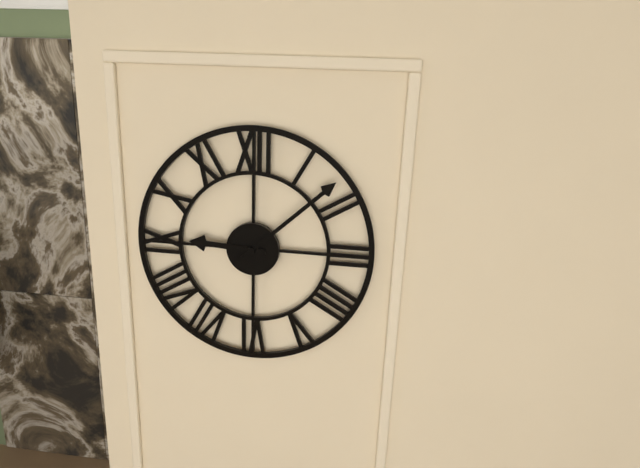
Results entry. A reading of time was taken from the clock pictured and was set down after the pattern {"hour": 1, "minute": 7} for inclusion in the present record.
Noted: {"hour": 9, "minute": 8}
